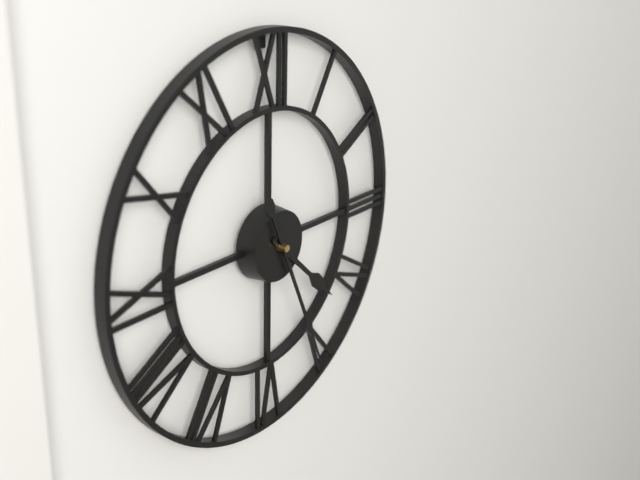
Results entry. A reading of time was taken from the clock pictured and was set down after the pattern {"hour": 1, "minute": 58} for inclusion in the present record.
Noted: {"hour": 4, "minute": 26}
